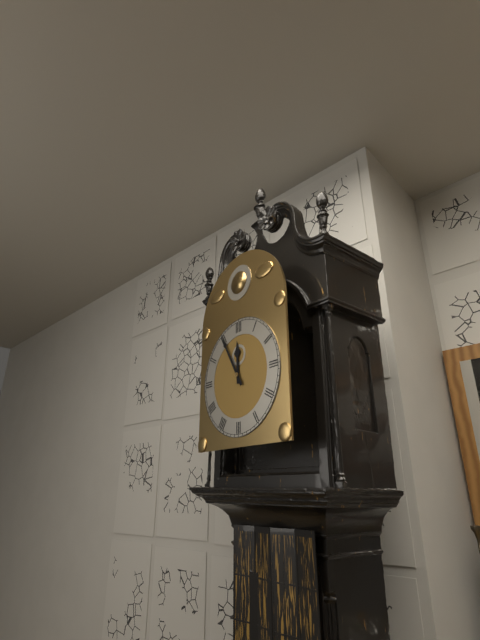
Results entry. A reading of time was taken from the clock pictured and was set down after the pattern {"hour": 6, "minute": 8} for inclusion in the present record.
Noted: {"hour": 11, "minute": 55}
